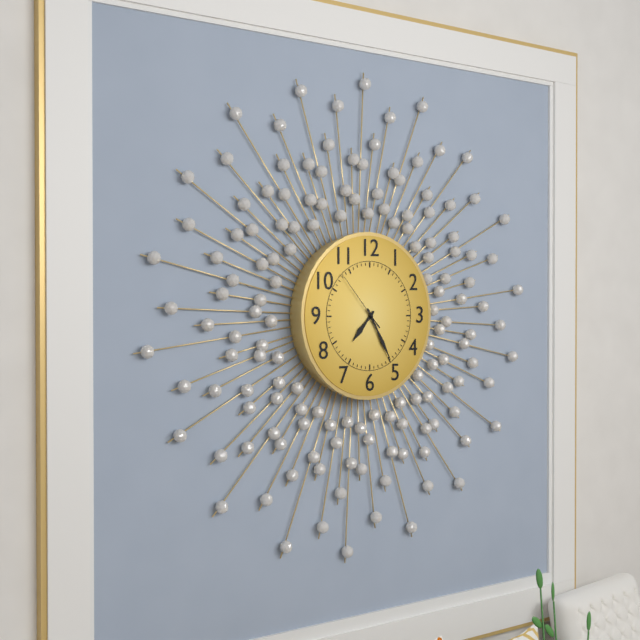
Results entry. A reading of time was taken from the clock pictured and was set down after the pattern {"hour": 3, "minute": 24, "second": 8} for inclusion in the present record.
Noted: {"hour": 7, "minute": 25, "second": 53}
